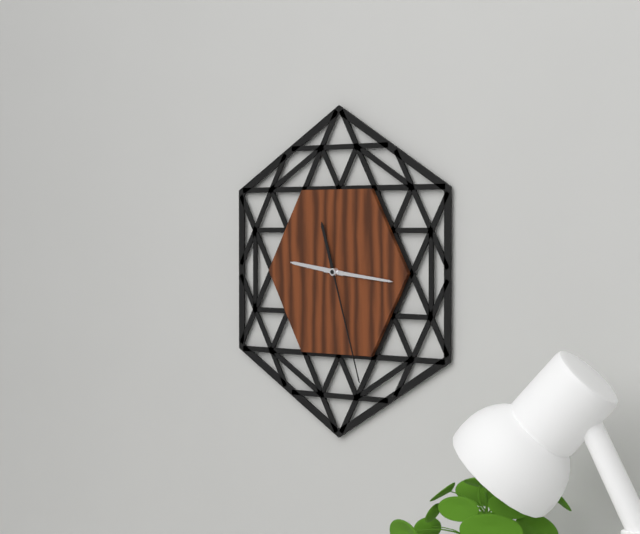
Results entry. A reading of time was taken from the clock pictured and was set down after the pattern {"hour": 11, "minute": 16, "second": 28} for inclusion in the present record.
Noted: {"hour": 9, "minute": 16, "second": 27}
